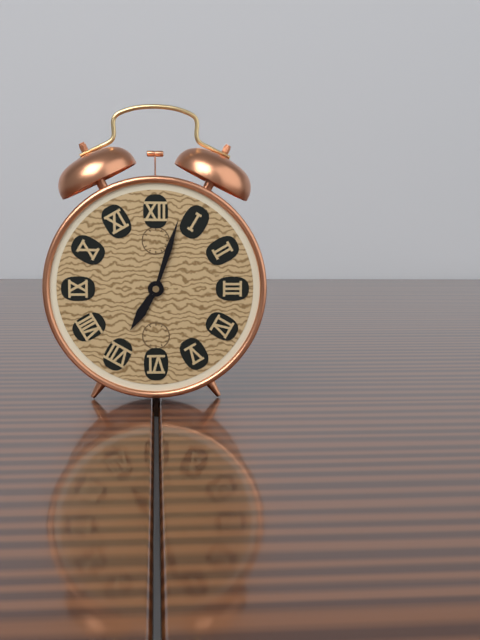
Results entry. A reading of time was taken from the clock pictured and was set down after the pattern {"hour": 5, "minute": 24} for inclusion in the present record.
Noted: {"hour": 7, "minute": 3}
